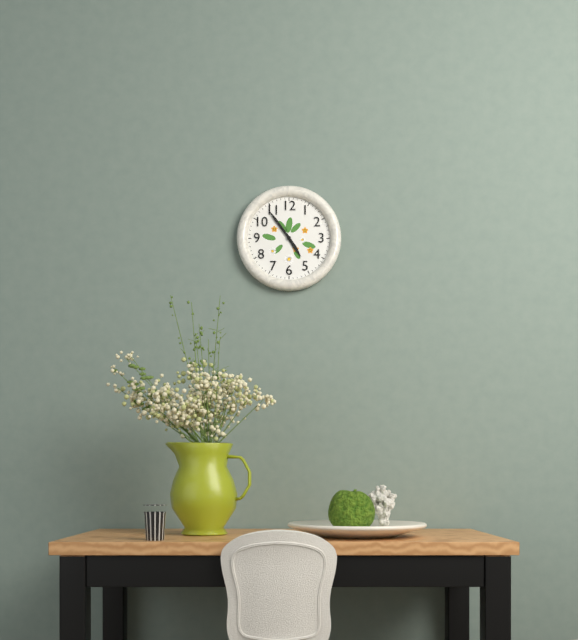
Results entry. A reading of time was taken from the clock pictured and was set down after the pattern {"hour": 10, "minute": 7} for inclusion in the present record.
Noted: {"hour": 4, "minute": 54}
